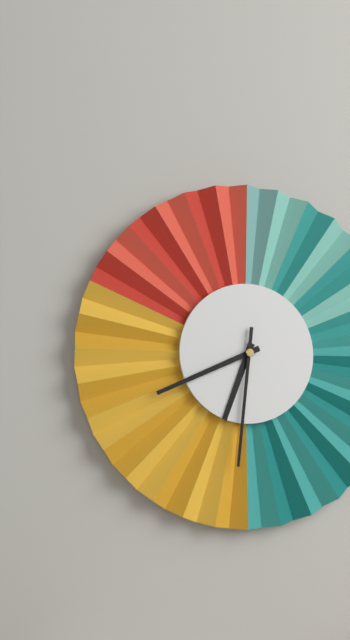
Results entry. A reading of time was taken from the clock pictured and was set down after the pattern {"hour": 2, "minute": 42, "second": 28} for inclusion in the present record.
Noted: {"hour": 6, "minute": 41, "second": 31}
